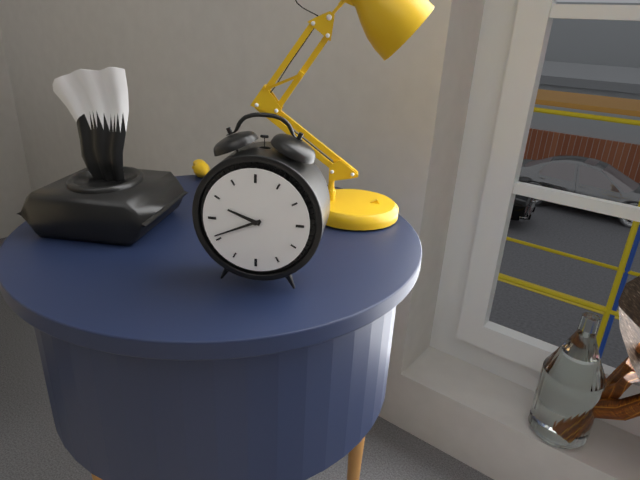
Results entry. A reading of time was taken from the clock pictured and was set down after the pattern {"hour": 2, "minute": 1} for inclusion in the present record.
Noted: {"hour": 9, "minute": 41}
